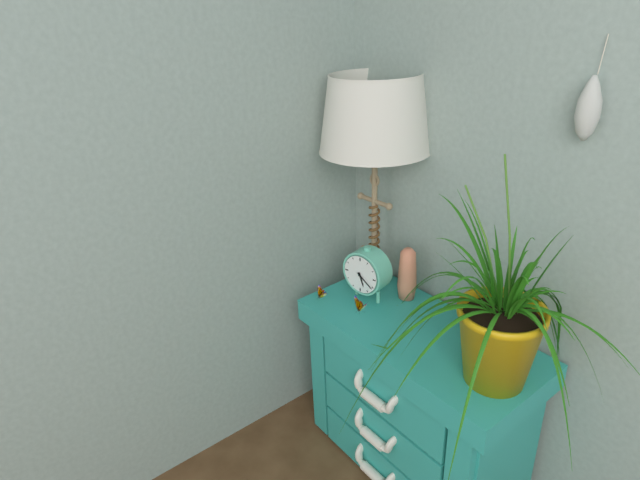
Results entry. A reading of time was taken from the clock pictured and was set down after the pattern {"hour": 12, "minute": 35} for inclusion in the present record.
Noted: {"hour": 5, "minute": 21}
